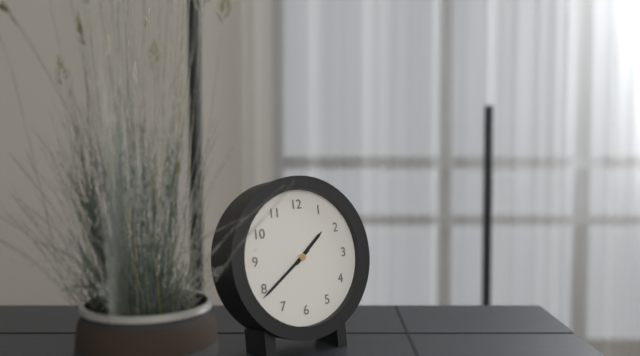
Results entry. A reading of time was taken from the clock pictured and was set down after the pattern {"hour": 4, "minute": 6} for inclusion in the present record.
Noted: {"hour": 1, "minute": 39}
